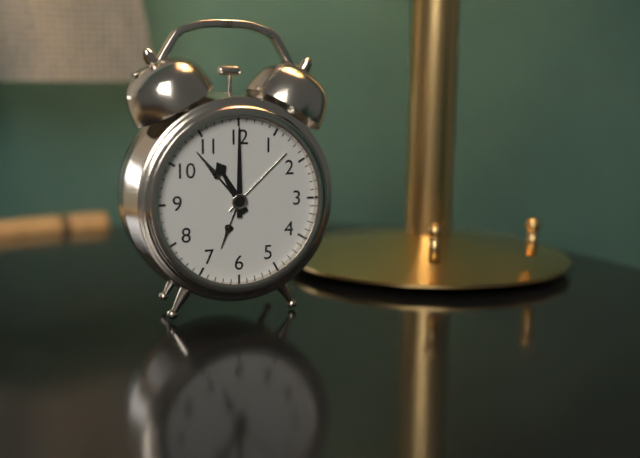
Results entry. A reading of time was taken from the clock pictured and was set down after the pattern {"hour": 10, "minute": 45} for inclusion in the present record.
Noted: {"hour": 11, "minute": 0}
